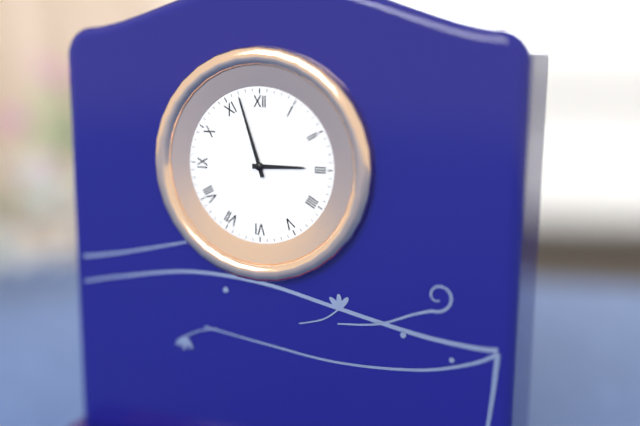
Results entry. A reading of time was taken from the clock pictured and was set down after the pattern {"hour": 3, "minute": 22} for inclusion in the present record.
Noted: {"hour": 2, "minute": 57}
